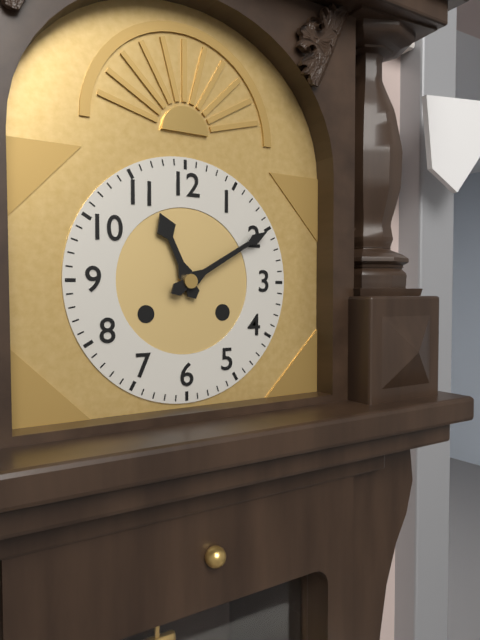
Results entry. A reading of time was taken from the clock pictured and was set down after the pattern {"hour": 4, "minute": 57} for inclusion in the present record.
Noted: {"hour": 11, "minute": 10}
